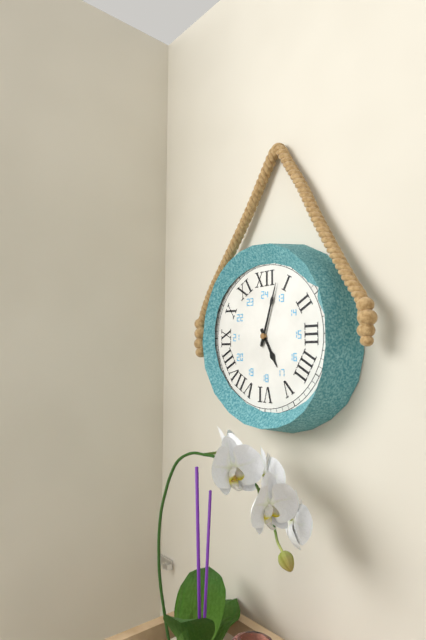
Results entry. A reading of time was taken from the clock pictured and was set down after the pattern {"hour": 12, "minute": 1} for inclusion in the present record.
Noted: {"hour": 5, "minute": 3}
